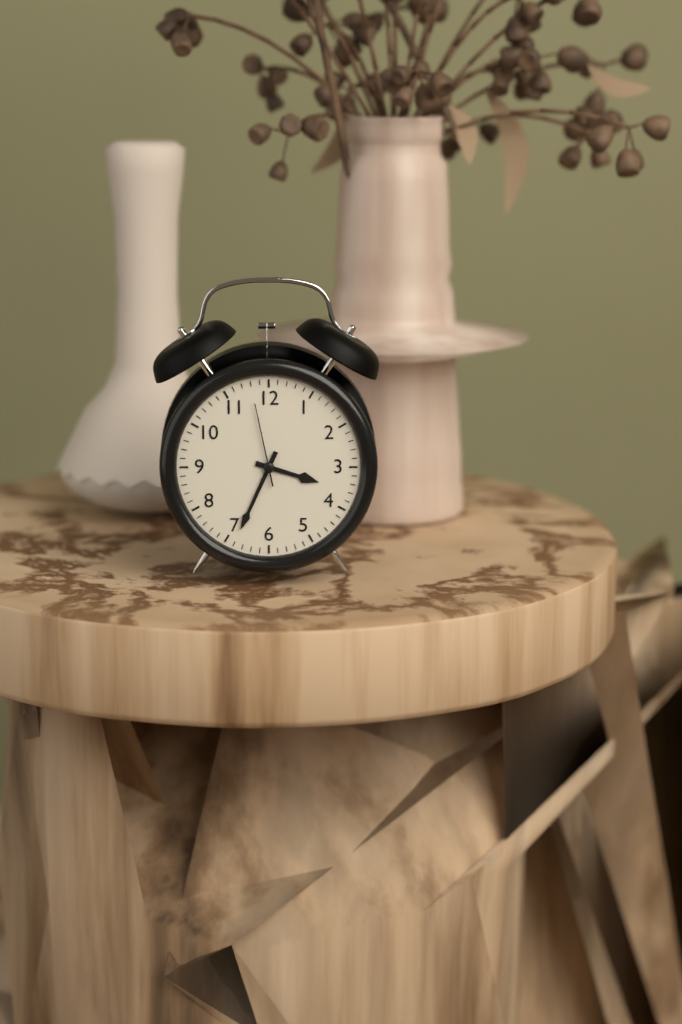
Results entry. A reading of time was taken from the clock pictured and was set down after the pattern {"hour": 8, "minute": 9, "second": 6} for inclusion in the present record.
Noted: {"hour": 3, "minute": 34, "second": 58}
